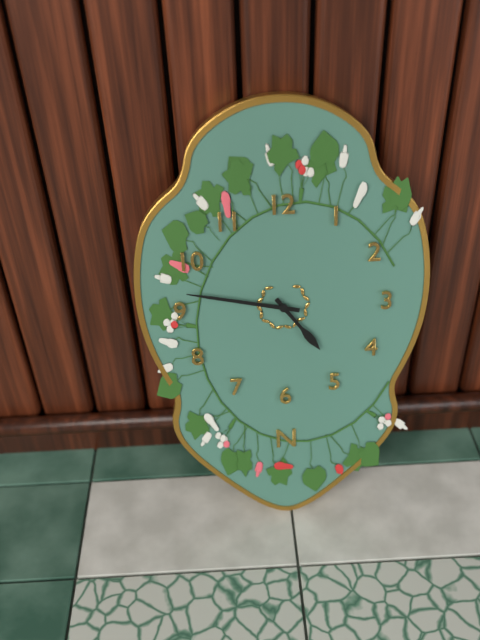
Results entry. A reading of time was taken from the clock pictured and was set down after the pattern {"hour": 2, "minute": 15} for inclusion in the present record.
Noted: {"hour": 4, "minute": 47}
